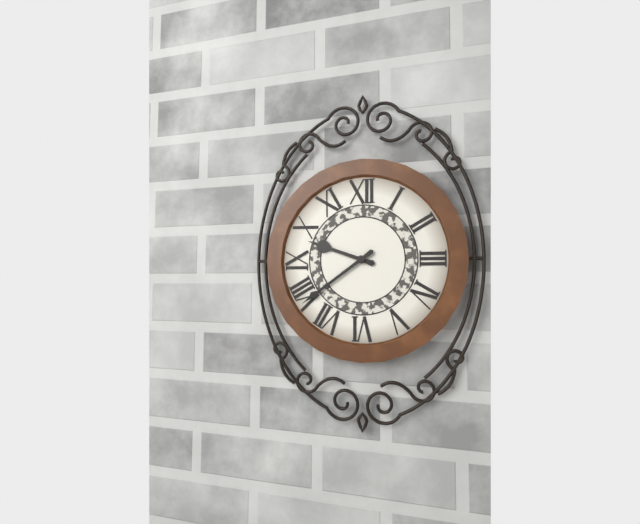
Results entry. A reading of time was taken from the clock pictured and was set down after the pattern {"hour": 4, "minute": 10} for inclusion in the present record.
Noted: {"hour": 9, "minute": 39}
